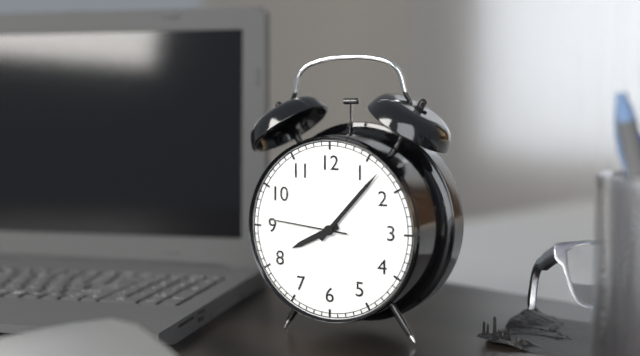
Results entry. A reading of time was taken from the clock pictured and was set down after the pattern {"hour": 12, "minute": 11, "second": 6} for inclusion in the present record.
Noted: {"hour": 8, "minute": 7, "second": 46}
